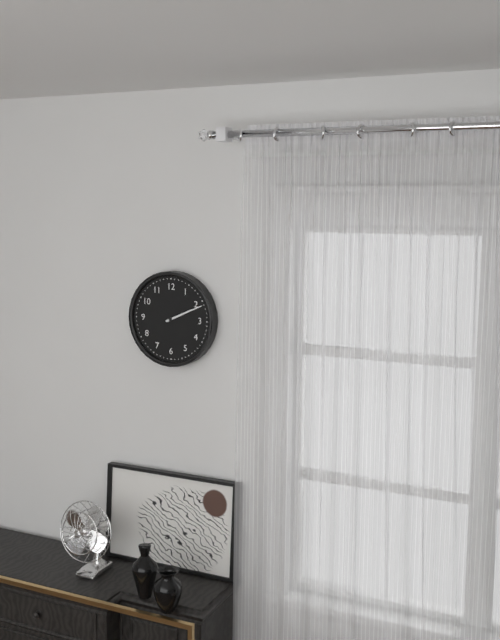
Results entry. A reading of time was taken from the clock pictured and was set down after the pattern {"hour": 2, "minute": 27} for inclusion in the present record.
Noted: {"hour": 2, "minute": 11}
